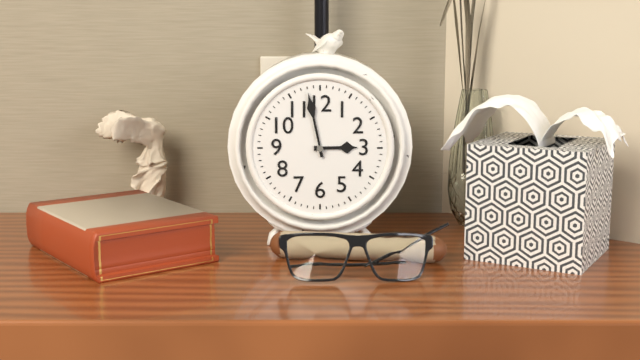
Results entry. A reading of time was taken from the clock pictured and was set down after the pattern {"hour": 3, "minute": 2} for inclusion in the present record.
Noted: {"hour": 2, "minute": 58}
